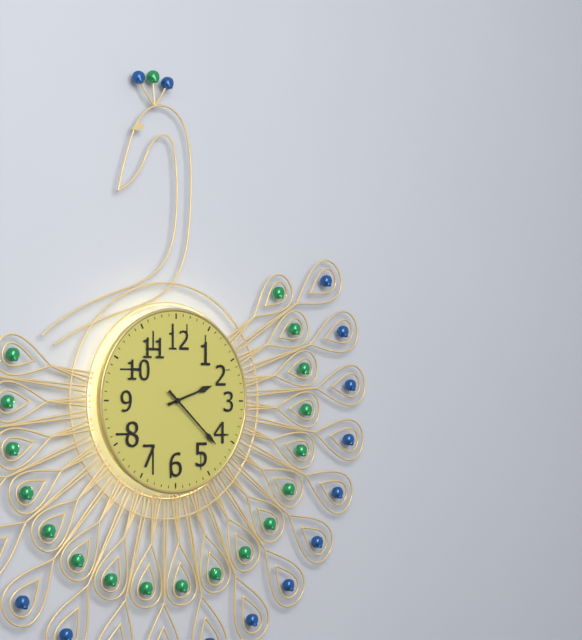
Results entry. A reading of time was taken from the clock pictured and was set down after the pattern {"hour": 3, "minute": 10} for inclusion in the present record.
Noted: {"hour": 2, "minute": 22}
